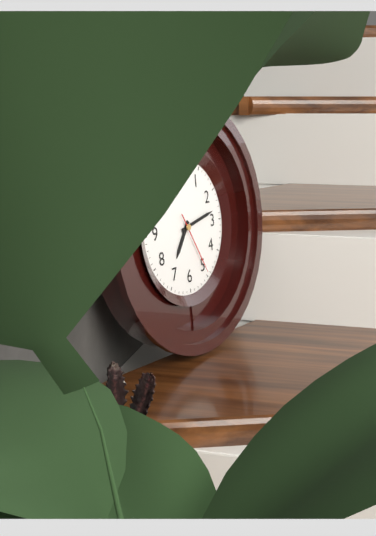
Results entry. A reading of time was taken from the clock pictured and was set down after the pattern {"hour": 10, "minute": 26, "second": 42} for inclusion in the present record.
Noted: {"hour": 7, "minute": 13, "second": 25}
